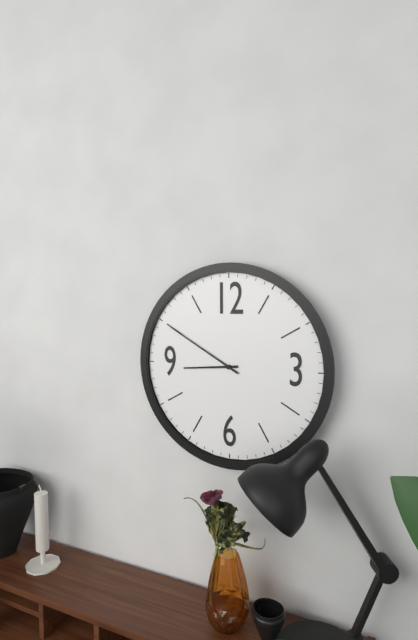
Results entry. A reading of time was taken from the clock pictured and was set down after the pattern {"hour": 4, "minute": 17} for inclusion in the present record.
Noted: {"hour": 8, "minute": 50}
